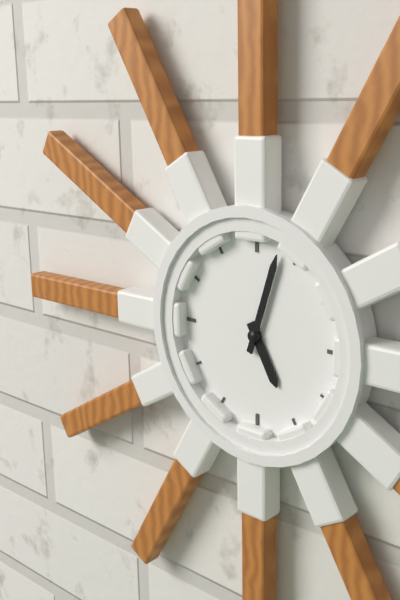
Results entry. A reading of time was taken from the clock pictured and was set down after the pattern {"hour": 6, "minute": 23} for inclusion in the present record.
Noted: {"hour": 5, "minute": 3}
